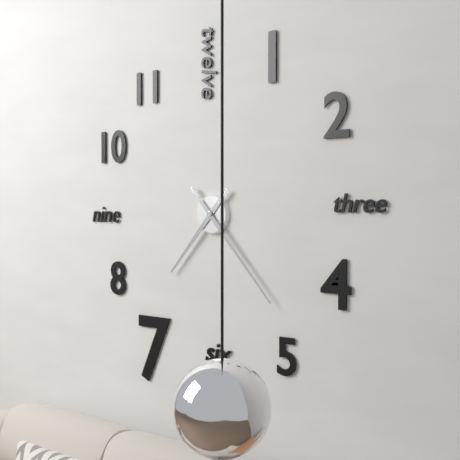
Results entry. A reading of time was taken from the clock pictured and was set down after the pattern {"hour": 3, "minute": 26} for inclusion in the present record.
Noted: {"hour": 7, "minute": 23}
